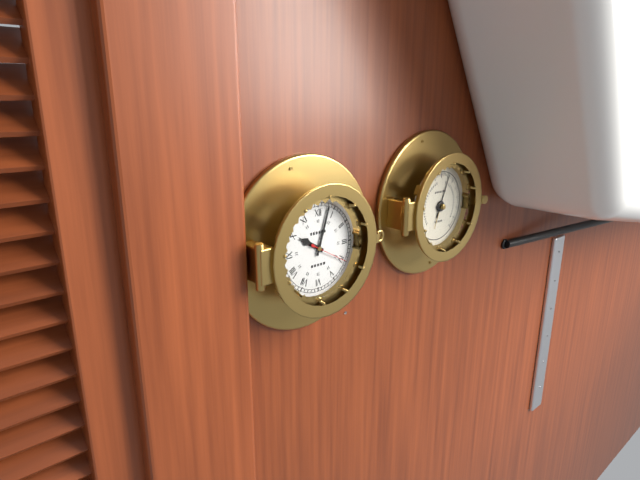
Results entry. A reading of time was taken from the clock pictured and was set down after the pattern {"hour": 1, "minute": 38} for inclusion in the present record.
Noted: {"hour": 10, "minute": 3}
